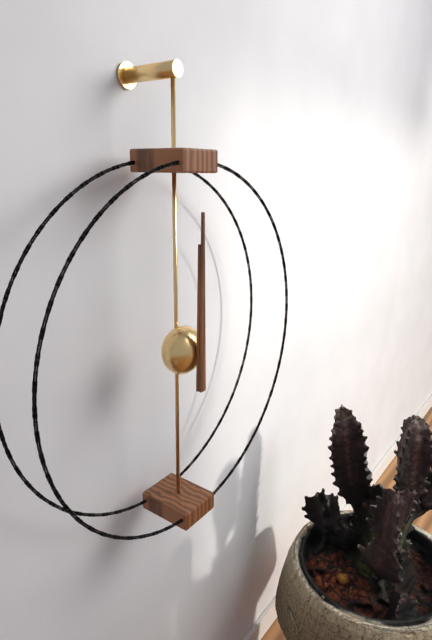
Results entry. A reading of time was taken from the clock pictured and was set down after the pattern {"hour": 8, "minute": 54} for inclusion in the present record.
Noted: {"hour": 12, "minute": 0}
